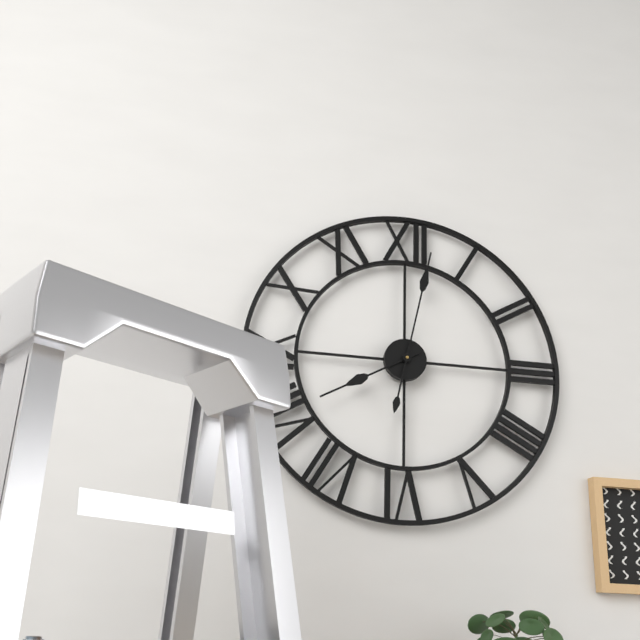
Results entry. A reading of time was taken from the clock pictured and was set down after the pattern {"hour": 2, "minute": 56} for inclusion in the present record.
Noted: {"hour": 8, "minute": 2}
